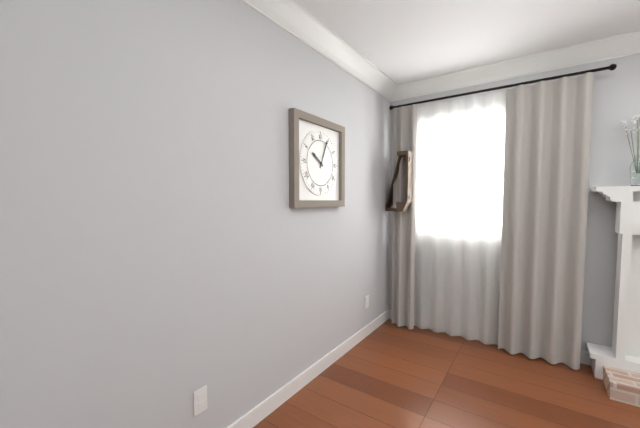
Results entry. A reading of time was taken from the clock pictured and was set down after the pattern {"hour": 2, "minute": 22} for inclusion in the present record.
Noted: {"hour": 10, "minute": 4}
